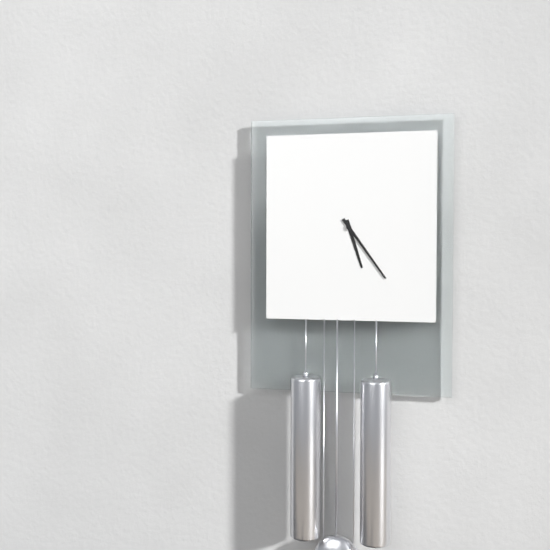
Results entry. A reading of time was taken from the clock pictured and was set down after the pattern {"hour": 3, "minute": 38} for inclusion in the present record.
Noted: {"hour": 5, "minute": 24}
